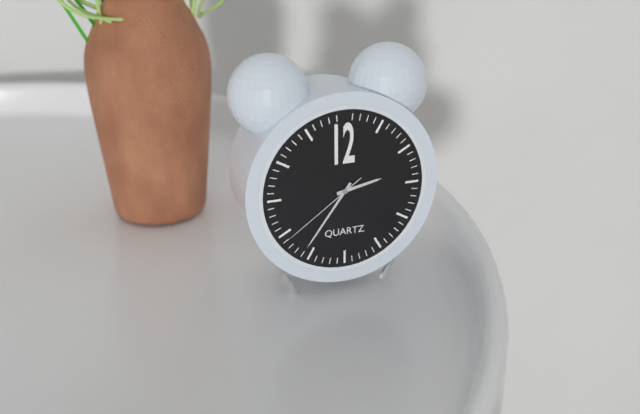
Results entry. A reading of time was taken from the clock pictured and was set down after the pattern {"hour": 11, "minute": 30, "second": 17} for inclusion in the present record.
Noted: {"hour": 2, "minute": 36, "second": 39}
